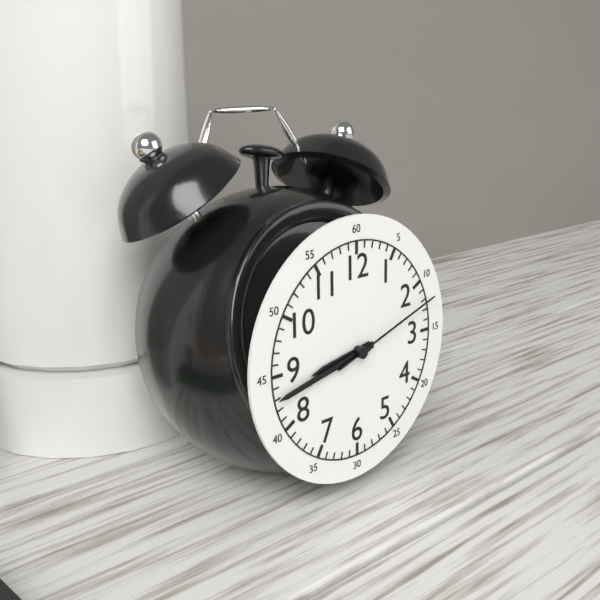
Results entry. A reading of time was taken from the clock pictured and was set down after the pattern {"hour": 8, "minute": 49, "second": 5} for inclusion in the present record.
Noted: {"hour": 8, "minute": 43, "second": 12}
